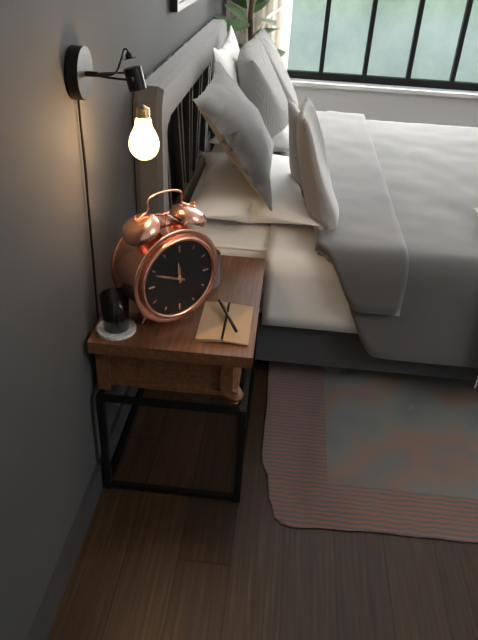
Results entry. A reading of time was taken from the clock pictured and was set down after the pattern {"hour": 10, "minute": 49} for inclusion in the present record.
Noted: {"hour": 11, "minute": 49}
